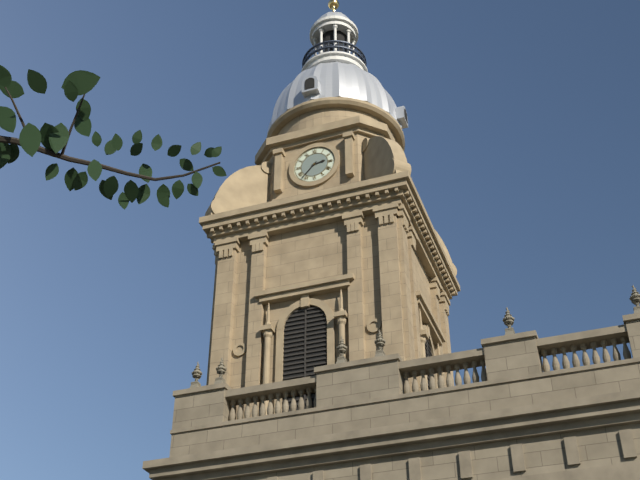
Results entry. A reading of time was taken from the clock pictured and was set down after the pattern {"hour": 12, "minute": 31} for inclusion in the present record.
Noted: {"hour": 2, "minute": 37}
